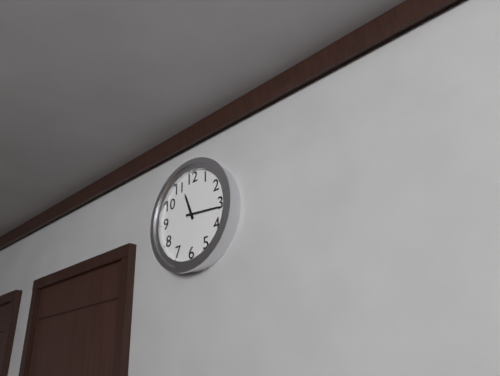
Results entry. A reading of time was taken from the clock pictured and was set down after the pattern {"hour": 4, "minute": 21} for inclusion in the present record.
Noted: {"hour": 11, "minute": 16}
